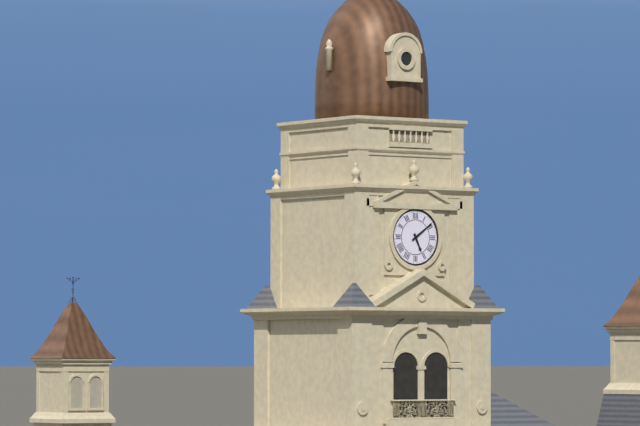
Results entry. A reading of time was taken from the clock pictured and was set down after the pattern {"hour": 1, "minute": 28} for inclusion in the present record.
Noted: {"hour": 5, "minute": 9}
